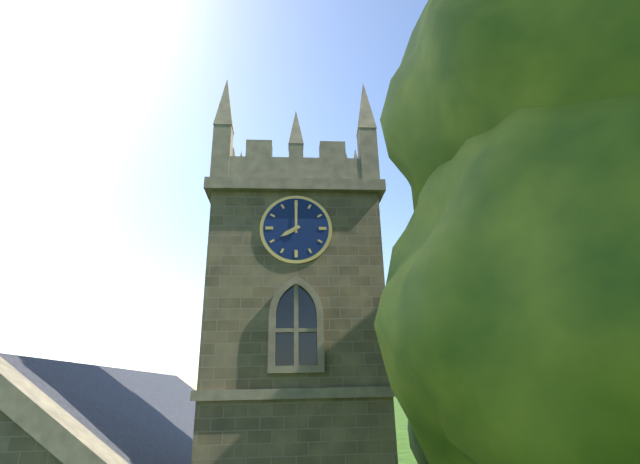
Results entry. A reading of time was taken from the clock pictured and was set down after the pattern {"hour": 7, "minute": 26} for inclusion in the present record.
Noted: {"hour": 8, "minute": 0}
